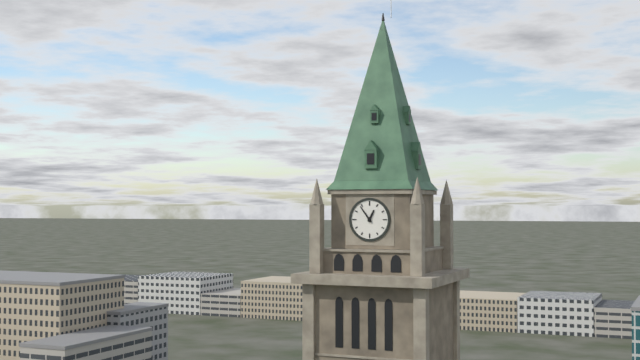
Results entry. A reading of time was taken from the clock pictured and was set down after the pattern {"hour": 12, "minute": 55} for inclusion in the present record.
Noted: {"hour": 12, "minute": 54}
